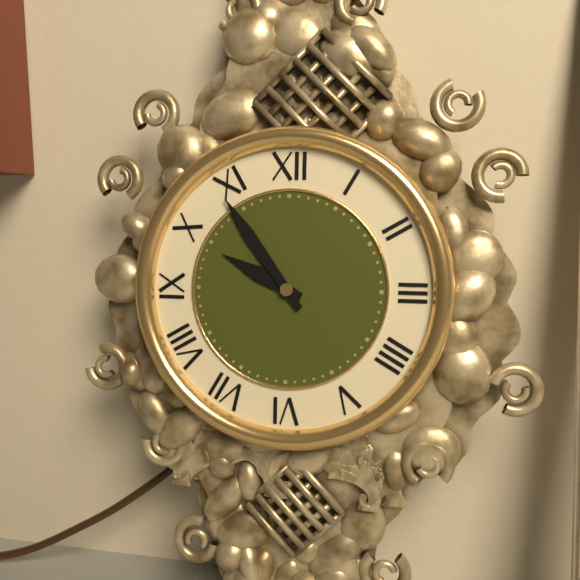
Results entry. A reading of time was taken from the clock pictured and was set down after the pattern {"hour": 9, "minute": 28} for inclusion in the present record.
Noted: {"hour": 9, "minute": 54}
